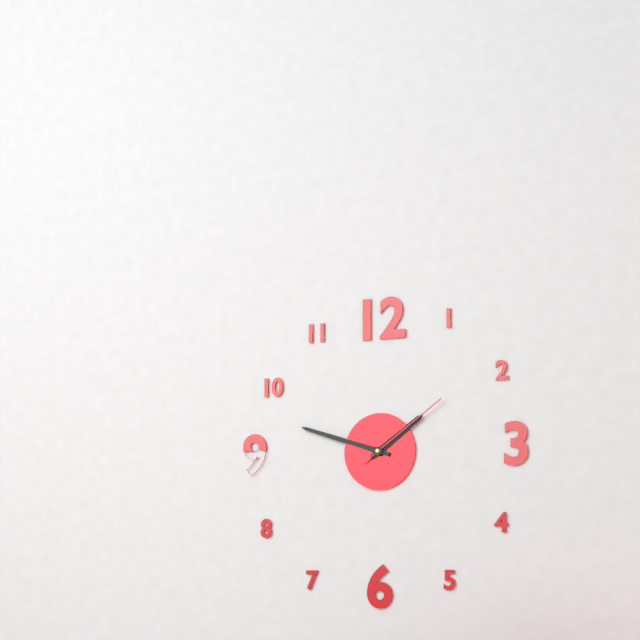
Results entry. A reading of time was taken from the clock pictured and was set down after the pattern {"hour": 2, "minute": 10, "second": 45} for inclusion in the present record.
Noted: {"hour": 1, "minute": 48, "second": 9}
